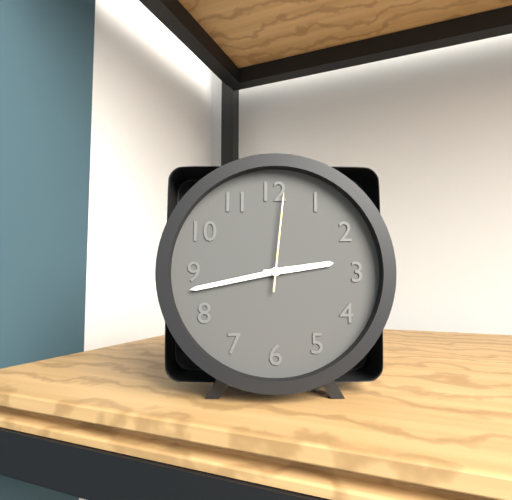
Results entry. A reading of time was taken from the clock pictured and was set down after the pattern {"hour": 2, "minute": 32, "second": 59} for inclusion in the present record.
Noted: {"hour": 2, "minute": 43, "second": 1}
